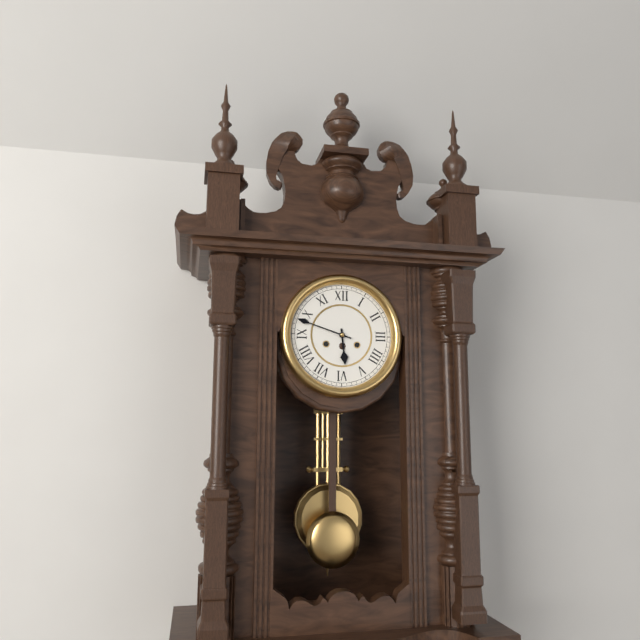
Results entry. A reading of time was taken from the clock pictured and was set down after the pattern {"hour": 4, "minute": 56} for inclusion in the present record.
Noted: {"hour": 5, "minute": 48}
